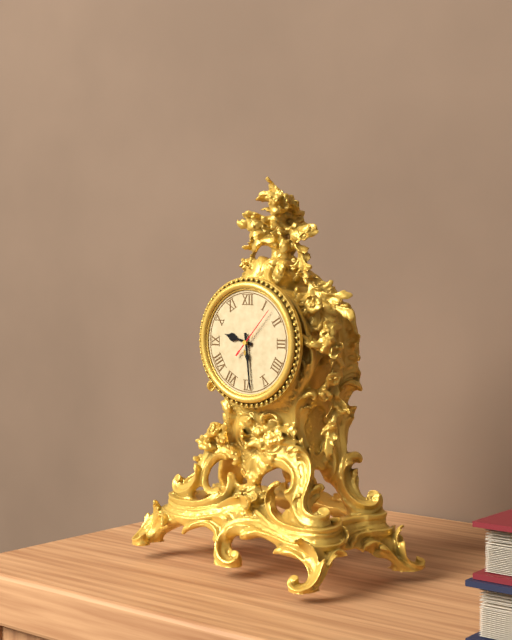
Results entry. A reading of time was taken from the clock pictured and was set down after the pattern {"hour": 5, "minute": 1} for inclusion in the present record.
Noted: {"hour": 9, "minute": 29}
